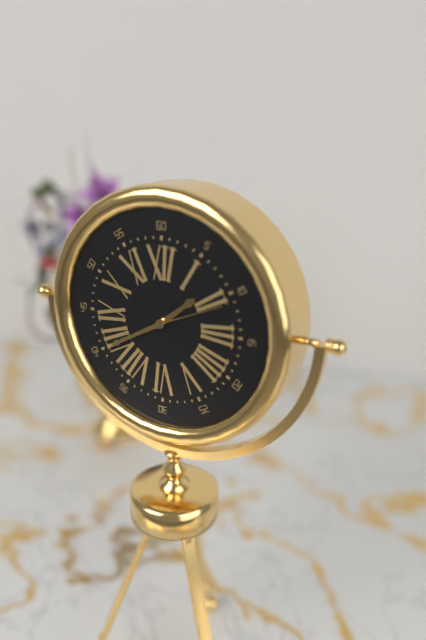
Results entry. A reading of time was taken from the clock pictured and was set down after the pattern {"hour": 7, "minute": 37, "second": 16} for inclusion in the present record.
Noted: {"hour": 1, "minute": 40, "second": 11}
